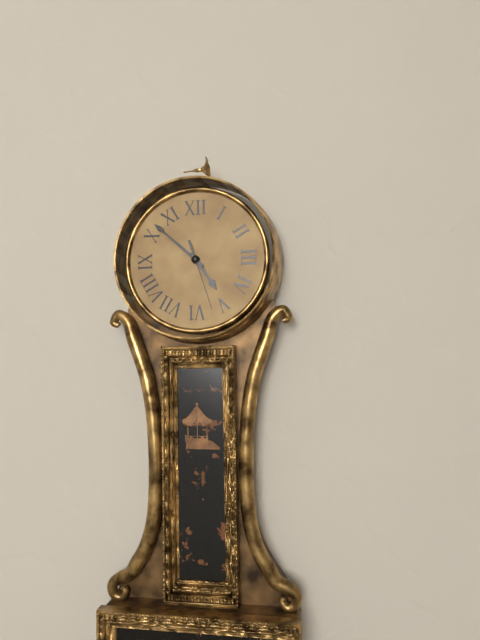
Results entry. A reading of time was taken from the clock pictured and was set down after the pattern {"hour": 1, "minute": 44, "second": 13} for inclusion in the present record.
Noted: {"hour": 4, "minute": 52, "second": 27}
